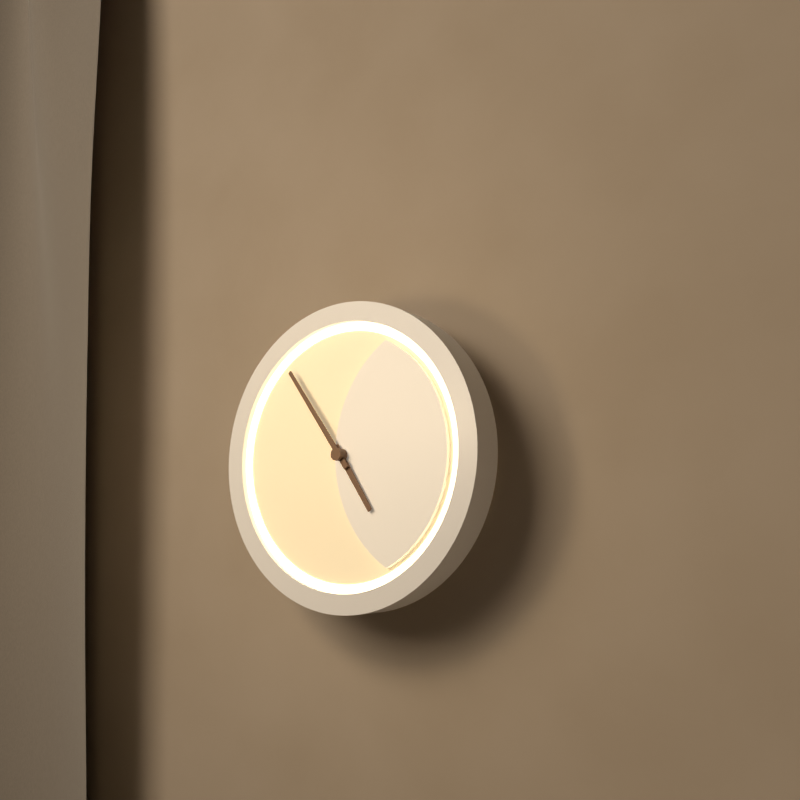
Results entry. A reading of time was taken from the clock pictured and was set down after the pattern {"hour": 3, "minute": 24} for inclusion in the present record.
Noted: {"hour": 4, "minute": 54}
